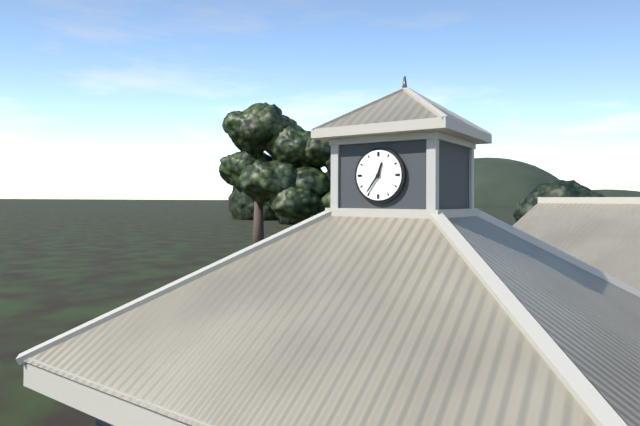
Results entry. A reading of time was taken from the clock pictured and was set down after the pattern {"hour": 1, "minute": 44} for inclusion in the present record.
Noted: {"hour": 12, "minute": 36}
